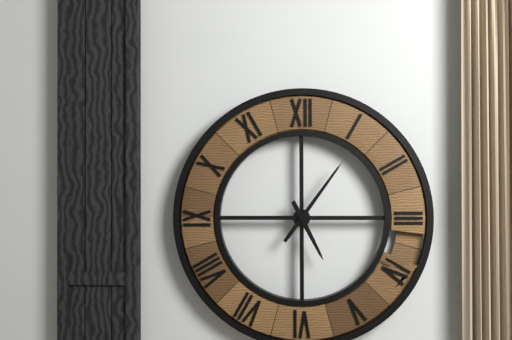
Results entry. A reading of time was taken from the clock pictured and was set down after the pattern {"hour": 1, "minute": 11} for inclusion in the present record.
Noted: {"hour": 5, "minute": 6}
